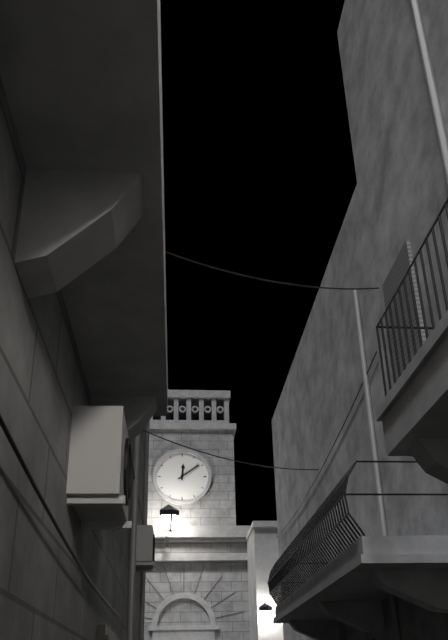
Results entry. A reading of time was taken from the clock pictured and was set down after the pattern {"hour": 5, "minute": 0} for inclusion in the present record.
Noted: {"hour": 12, "minute": 9}
